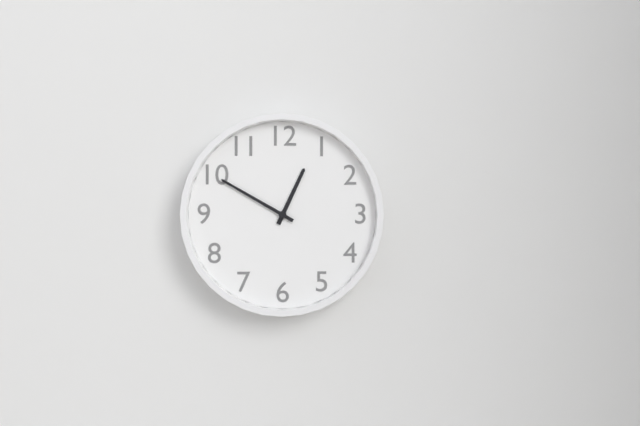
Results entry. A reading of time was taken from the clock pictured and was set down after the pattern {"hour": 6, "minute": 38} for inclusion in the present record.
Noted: {"hour": 12, "minute": 50}
